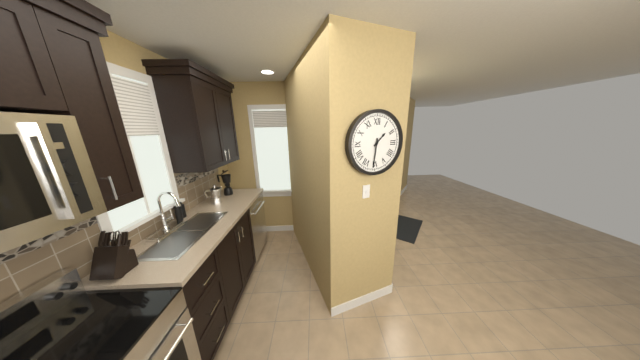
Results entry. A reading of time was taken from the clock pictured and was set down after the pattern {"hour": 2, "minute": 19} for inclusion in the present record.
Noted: {"hour": 1, "minute": 31}
